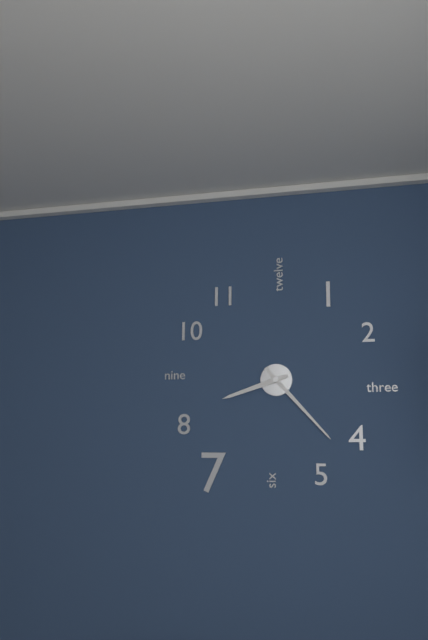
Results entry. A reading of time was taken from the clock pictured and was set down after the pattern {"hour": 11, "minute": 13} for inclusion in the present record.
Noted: {"hour": 8, "minute": 23}
